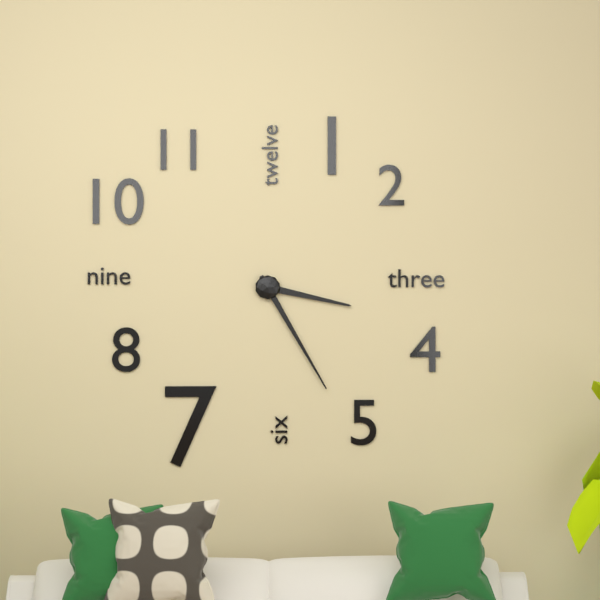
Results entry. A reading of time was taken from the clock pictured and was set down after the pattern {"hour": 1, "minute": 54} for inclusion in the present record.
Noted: {"hour": 3, "minute": 25}
